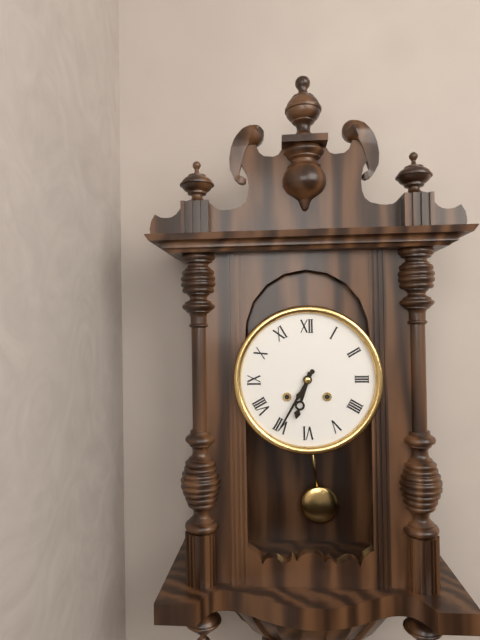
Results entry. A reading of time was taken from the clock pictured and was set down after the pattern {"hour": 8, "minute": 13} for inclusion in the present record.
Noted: {"hour": 6, "minute": 35}
